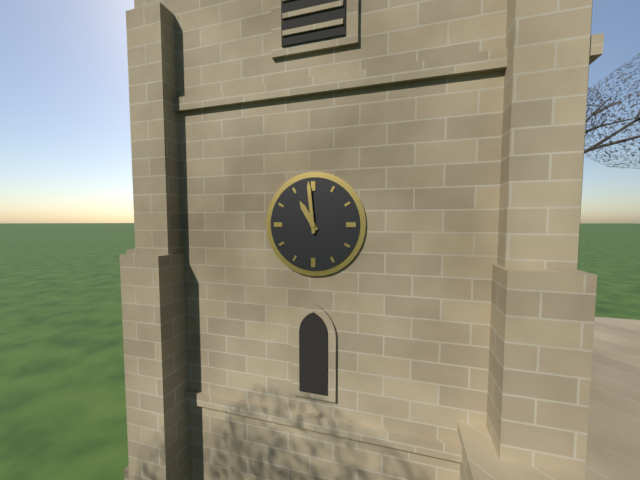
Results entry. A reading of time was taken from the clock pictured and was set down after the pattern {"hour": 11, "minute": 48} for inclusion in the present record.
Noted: {"hour": 10, "minute": 59}
